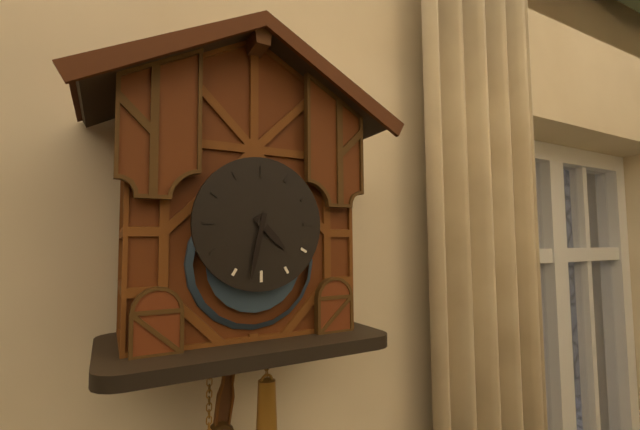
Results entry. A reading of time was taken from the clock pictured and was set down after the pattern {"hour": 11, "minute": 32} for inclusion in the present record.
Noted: {"hour": 4, "minute": 32}
